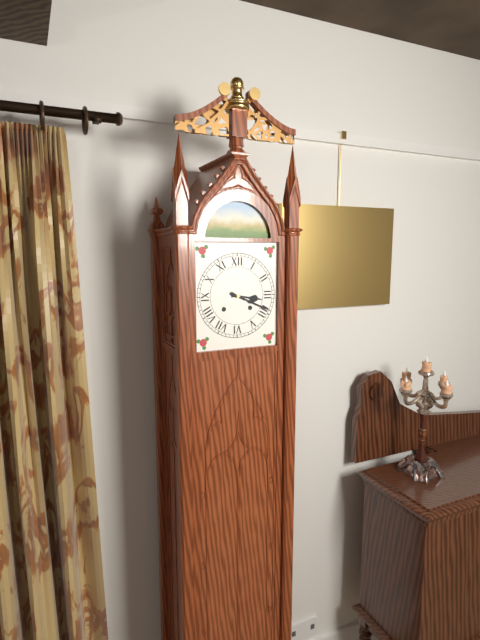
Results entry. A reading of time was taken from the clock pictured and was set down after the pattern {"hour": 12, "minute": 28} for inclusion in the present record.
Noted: {"hour": 3, "minute": 19}
